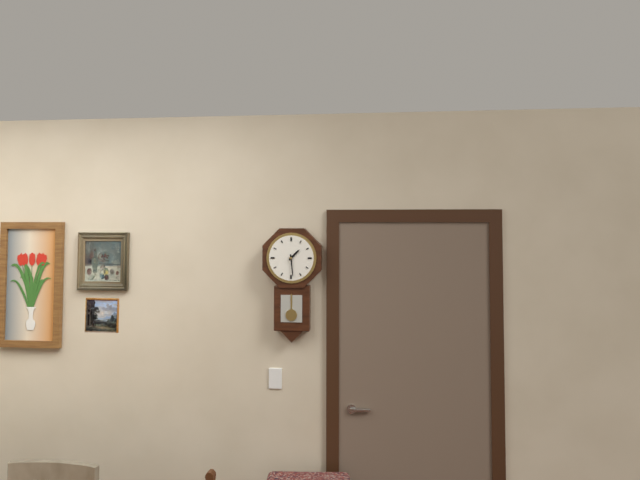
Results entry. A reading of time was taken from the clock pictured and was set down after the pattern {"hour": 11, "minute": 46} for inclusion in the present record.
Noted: {"hour": 1, "minute": 29}
